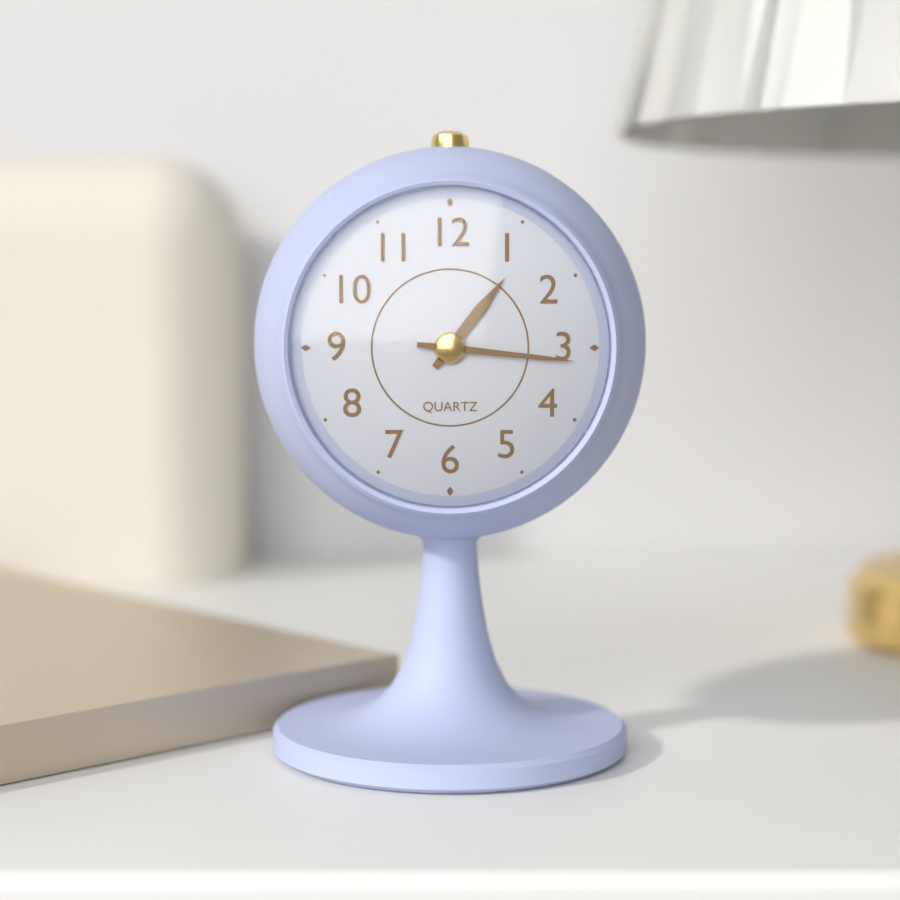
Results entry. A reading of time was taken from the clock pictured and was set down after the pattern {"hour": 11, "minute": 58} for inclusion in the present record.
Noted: {"hour": 1, "minute": 16}
